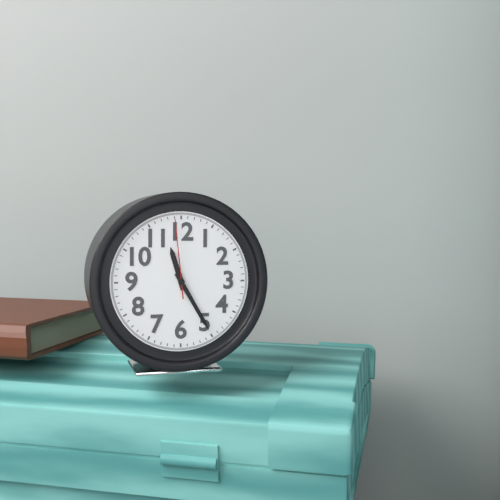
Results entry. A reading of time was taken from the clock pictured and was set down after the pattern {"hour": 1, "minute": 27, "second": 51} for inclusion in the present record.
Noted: {"hour": 11, "minute": 25, "second": 59}
